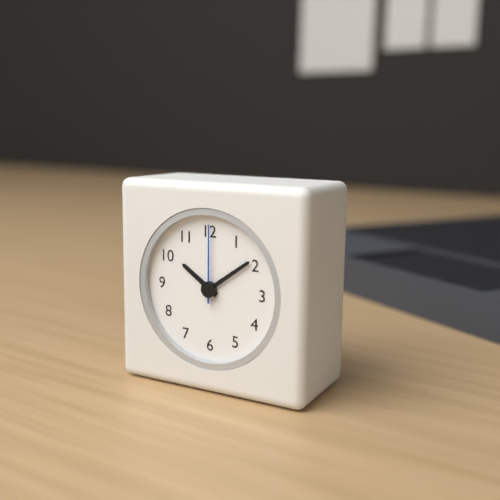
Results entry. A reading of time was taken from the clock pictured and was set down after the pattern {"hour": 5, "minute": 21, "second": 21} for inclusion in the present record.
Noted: {"hour": 10, "minute": 9, "second": 0}
